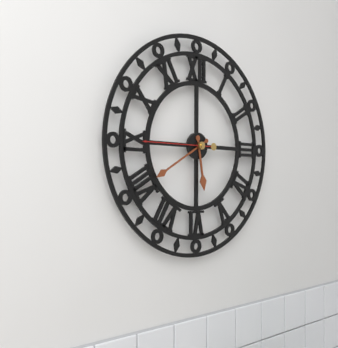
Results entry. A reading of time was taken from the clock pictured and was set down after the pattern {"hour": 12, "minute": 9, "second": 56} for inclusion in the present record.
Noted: {"hour": 5, "minute": 40, "second": 45}
